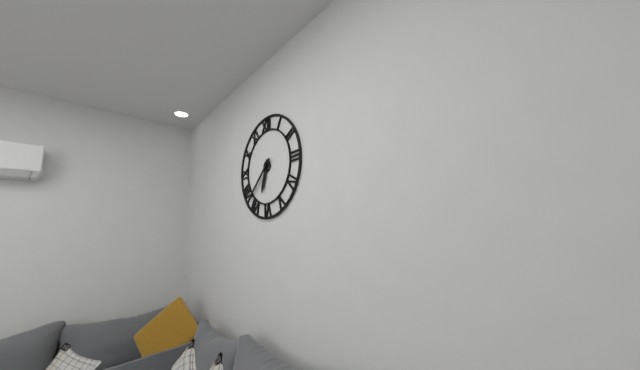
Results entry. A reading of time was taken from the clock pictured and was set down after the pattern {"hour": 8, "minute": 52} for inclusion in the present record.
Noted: {"hour": 6, "minute": 38}
